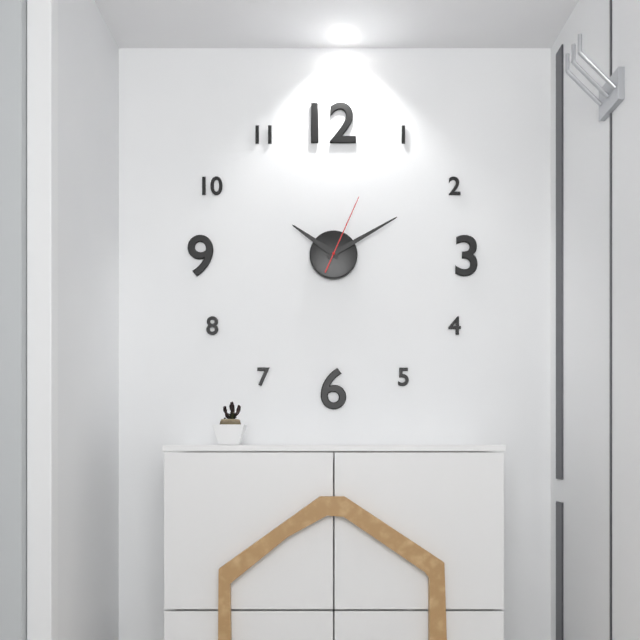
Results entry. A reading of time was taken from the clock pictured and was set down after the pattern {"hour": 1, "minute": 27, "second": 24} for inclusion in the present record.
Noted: {"hour": 10, "minute": 10, "second": 4}
